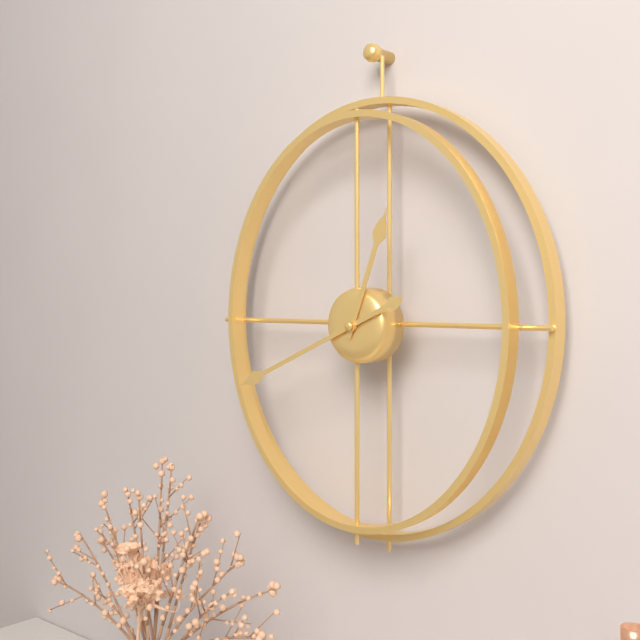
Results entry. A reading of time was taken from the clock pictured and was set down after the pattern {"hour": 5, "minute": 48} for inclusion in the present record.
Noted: {"hour": 12, "minute": 41}
